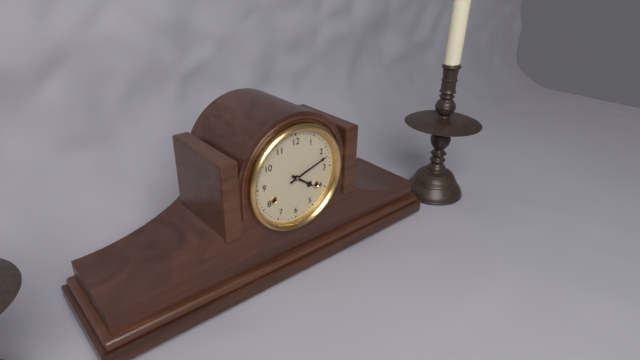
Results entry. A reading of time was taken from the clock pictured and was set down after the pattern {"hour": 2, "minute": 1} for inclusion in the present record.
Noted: {"hour": 4, "minute": 12}
